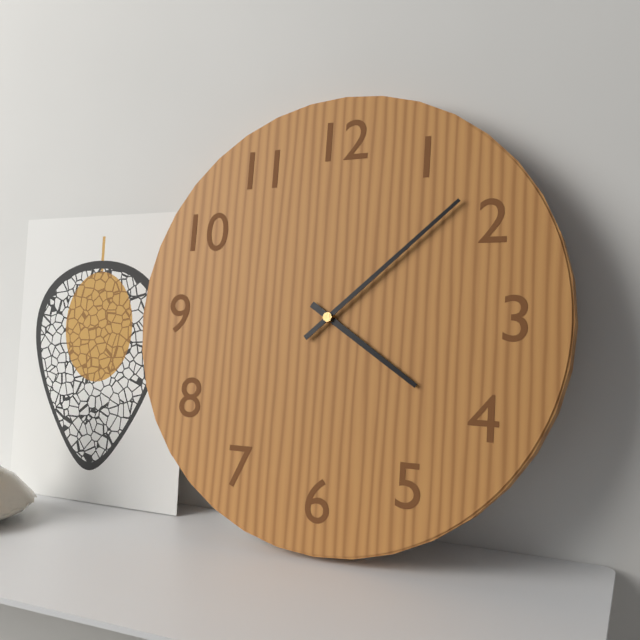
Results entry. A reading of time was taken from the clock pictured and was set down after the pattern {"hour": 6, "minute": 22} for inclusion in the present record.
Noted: {"hour": 4, "minute": 8}
